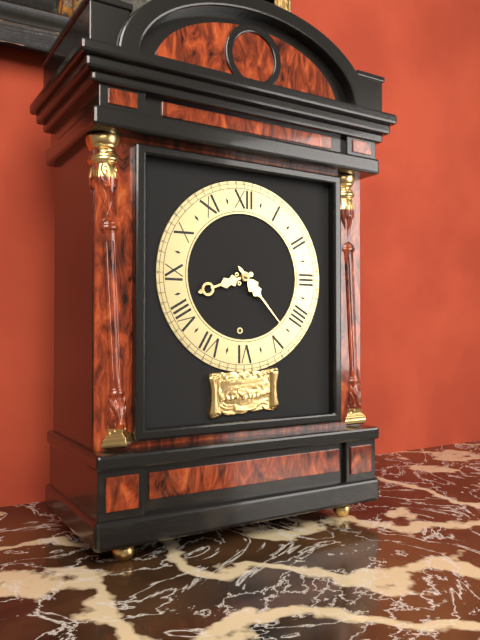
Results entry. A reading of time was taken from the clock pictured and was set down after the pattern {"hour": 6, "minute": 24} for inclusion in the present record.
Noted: {"hour": 8, "minute": 23}
